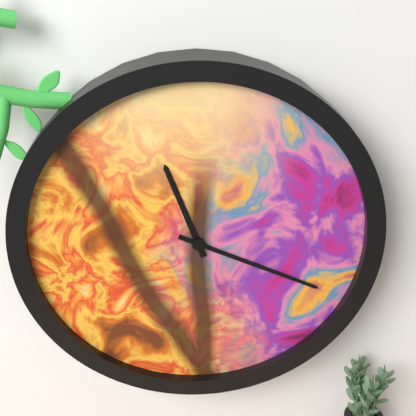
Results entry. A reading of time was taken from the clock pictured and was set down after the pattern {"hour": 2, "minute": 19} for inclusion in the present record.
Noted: {"hour": 11, "minute": 19}
